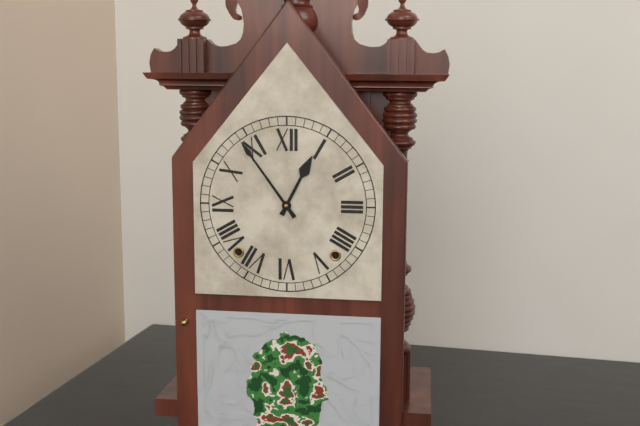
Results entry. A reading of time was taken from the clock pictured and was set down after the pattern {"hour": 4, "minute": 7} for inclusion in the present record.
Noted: {"hour": 12, "minute": 54}
